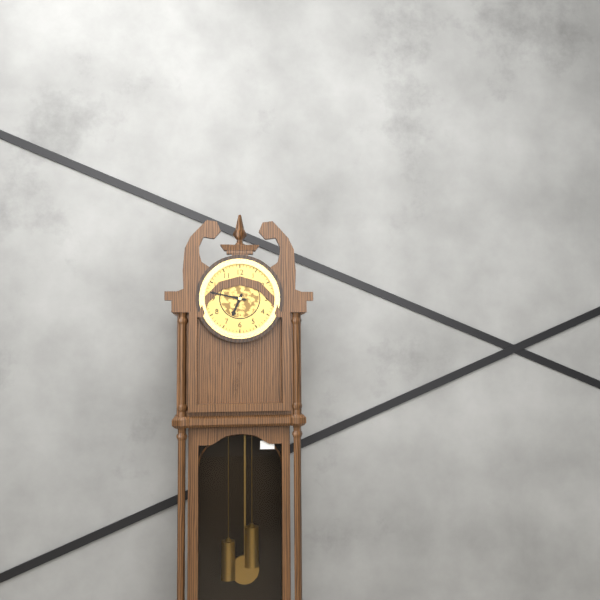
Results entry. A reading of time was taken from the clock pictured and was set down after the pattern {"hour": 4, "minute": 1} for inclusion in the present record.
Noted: {"hour": 6, "minute": 47}
